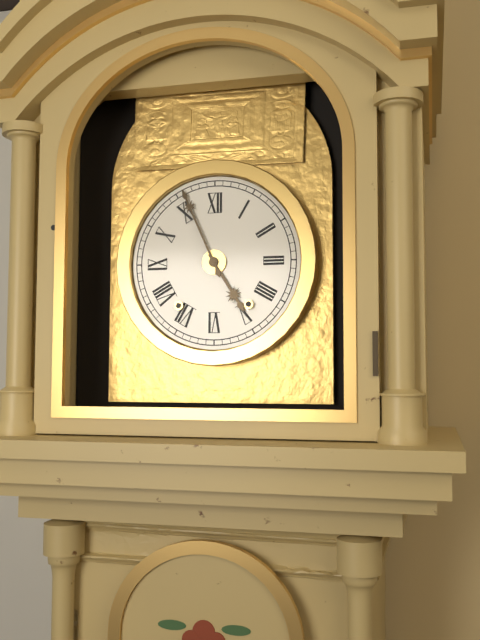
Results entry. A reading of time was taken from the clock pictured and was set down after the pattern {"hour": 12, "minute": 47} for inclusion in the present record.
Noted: {"hour": 4, "minute": 56}
